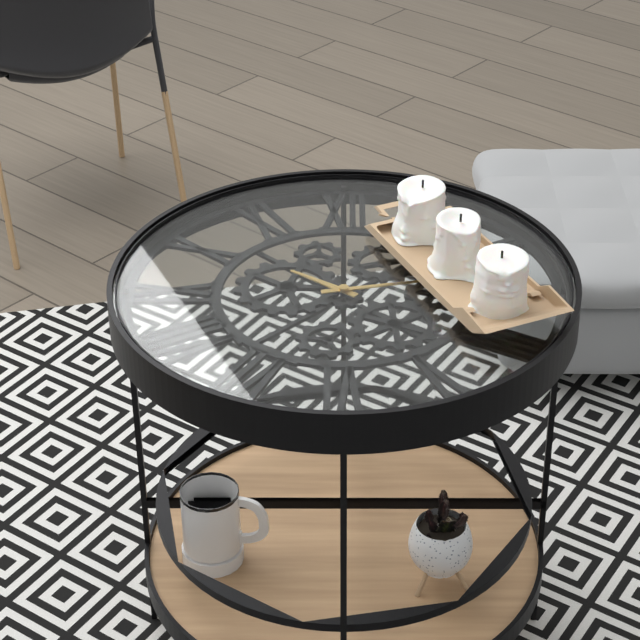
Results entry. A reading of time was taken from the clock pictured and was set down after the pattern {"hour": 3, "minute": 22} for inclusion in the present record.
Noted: {"hour": 10, "minute": 13}
